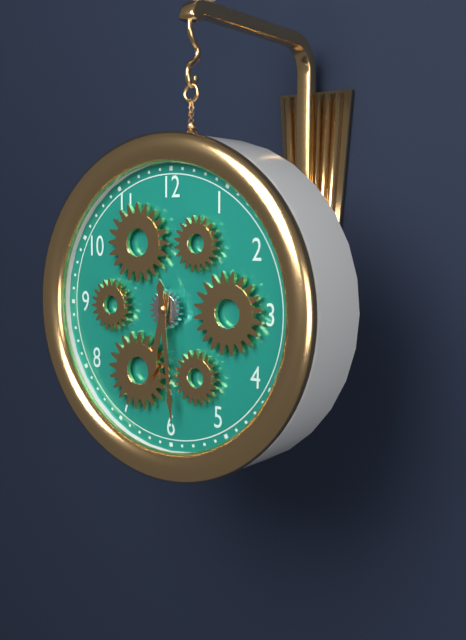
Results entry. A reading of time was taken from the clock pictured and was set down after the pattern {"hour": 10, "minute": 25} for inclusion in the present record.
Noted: {"hour": 6, "minute": 29}
